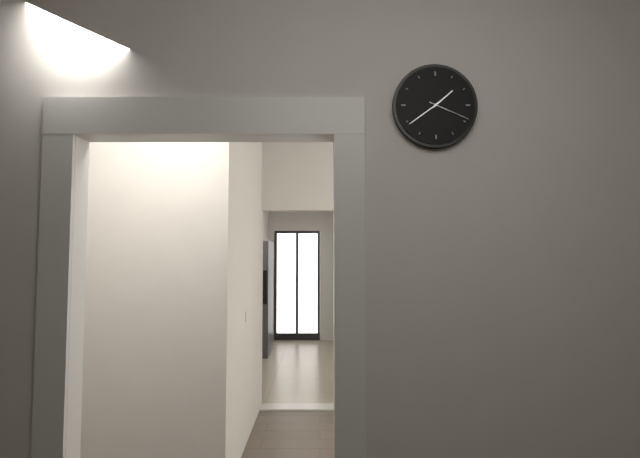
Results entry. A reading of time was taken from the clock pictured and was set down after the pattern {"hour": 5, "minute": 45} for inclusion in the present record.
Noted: {"hour": 1, "minute": 39}
